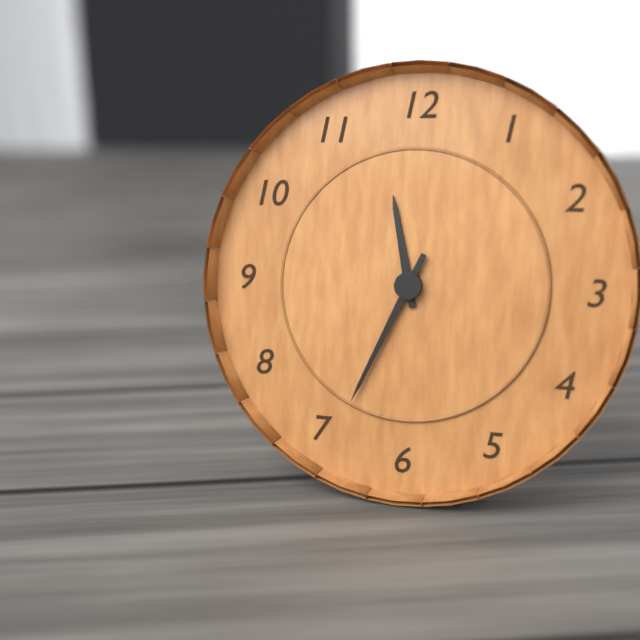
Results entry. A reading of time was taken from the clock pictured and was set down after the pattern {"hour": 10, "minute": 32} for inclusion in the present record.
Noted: {"hour": 11, "minute": 34}
